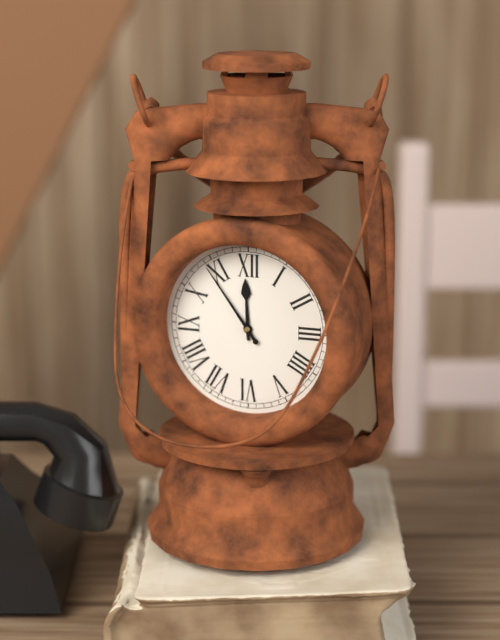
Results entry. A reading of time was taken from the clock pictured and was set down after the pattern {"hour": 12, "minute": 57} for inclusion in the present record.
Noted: {"hour": 11, "minute": 54}
